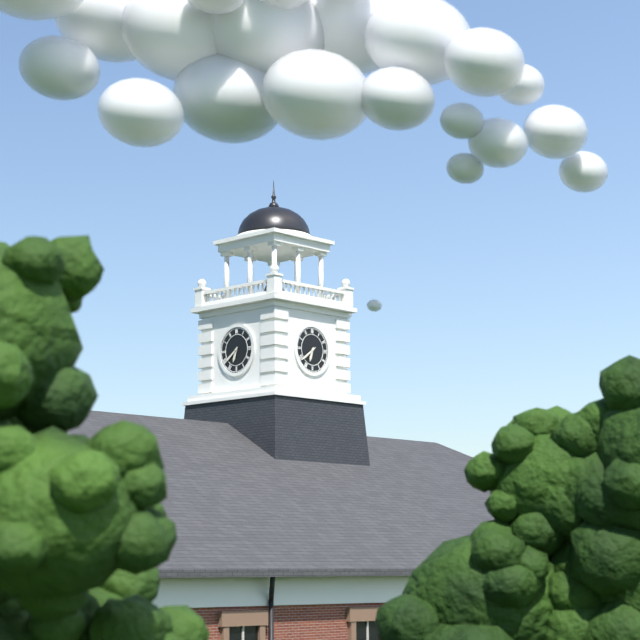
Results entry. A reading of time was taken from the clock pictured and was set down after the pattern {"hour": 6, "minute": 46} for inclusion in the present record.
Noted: {"hour": 6, "minute": 39}
